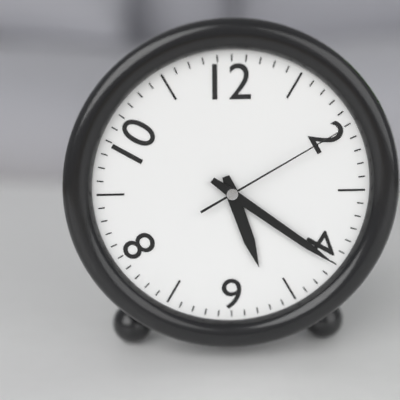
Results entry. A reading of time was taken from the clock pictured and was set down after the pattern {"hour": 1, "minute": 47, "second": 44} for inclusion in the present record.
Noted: {"hour": 5, "minute": 21, "second": 10}
